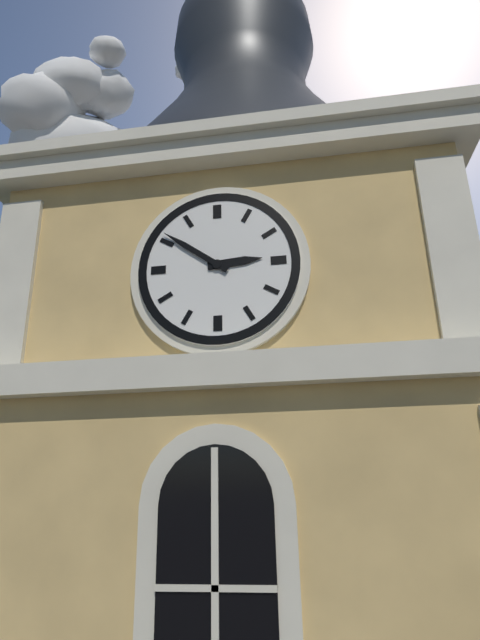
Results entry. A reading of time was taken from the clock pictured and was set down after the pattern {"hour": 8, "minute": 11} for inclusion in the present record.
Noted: {"hour": 2, "minute": 51}
